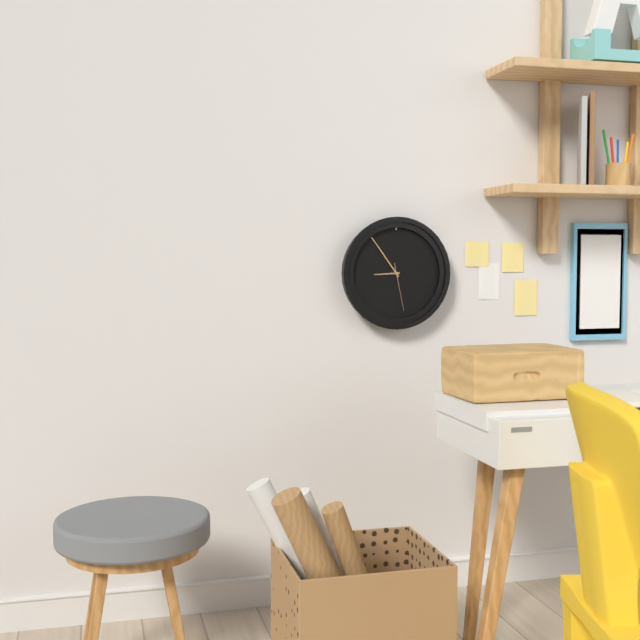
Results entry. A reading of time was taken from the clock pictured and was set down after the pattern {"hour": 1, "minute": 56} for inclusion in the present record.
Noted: {"hour": 8, "minute": 54}
